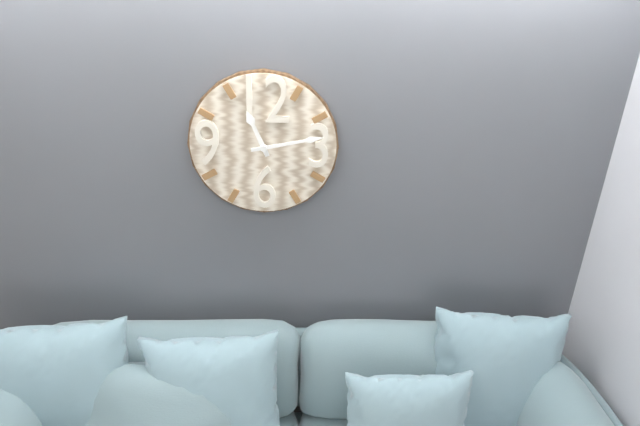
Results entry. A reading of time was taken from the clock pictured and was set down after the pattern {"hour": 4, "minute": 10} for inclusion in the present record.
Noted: {"hour": 11, "minute": 13}
